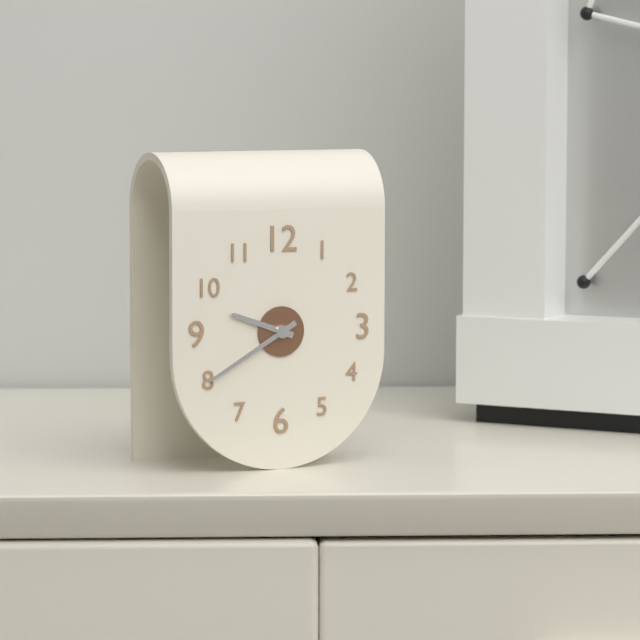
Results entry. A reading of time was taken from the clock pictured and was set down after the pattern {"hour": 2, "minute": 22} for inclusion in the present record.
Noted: {"hour": 9, "minute": 40}
